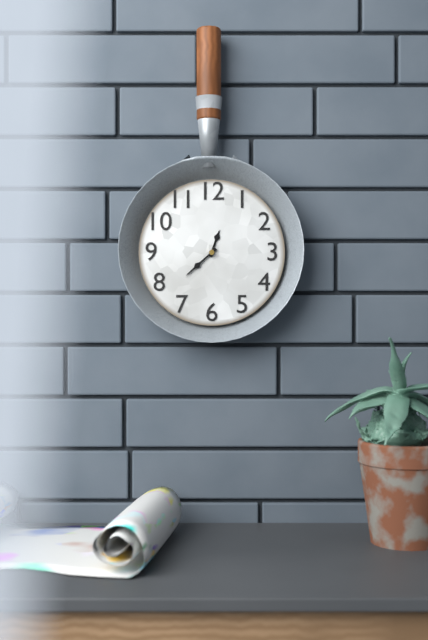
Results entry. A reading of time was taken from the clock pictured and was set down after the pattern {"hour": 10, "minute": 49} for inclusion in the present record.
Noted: {"hour": 12, "minute": 38}
